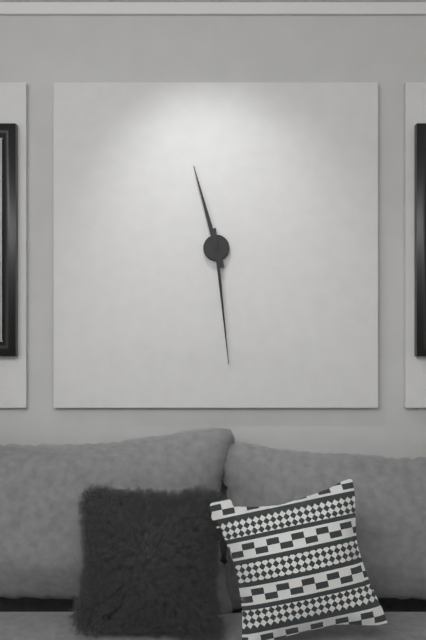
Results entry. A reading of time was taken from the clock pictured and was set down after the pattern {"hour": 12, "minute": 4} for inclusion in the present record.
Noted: {"hour": 11, "minute": 29}
